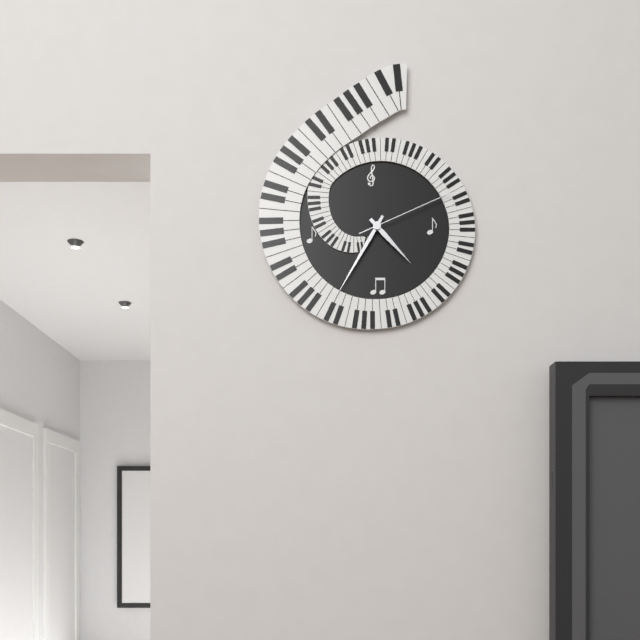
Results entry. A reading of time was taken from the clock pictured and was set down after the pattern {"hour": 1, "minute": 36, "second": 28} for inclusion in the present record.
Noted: {"hour": 4, "minute": 35, "second": 11}
